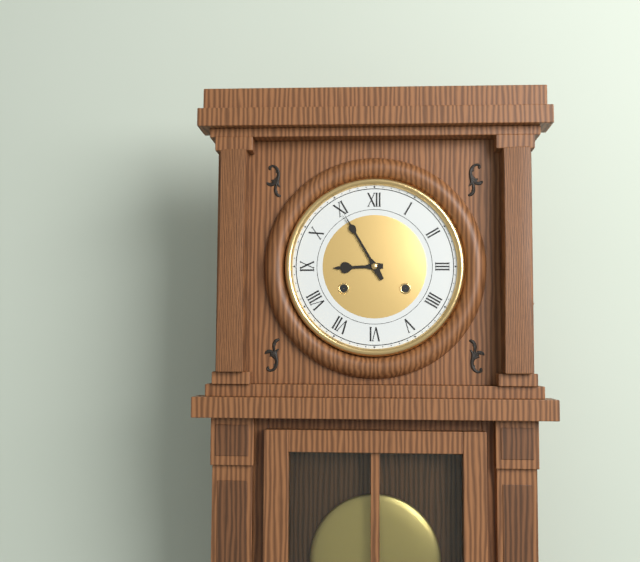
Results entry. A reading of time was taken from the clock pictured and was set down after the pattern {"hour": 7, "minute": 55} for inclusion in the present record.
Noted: {"hour": 8, "minute": 55}
